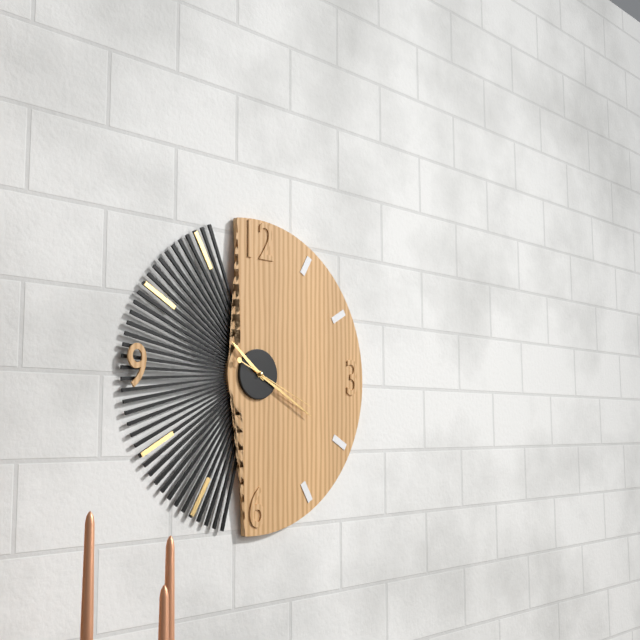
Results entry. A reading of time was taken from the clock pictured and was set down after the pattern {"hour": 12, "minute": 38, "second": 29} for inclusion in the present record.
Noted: {"hour": 10, "minute": 20, "second": 19}
